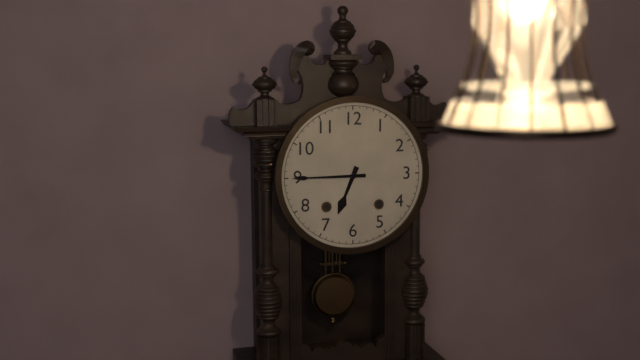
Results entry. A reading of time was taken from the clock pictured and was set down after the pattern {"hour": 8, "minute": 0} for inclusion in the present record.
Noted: {"hour": 6, "minute": 45}
